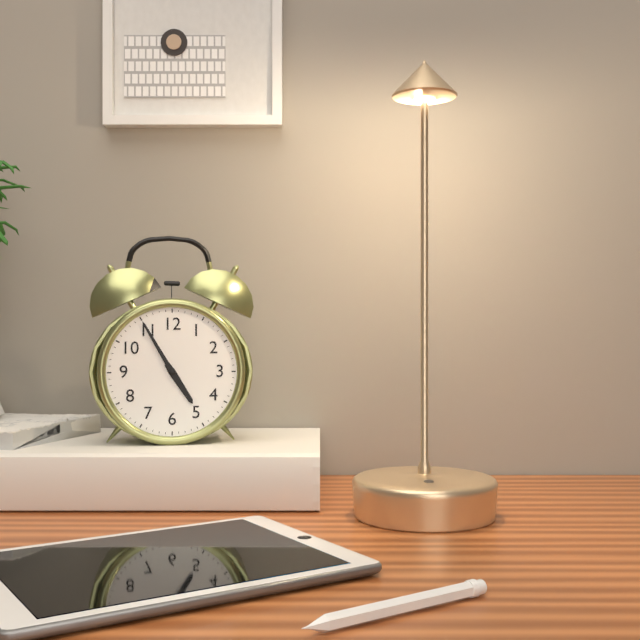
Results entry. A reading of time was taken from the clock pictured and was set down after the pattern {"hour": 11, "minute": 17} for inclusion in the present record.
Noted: {"hour": 4, "minute": 55}
